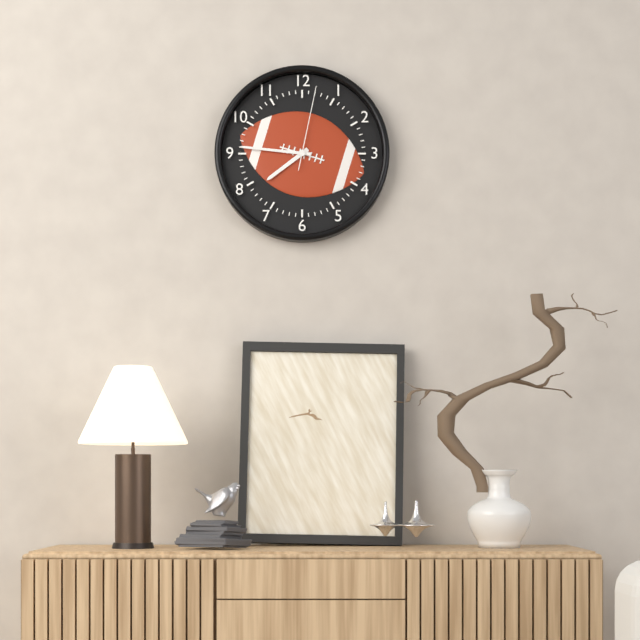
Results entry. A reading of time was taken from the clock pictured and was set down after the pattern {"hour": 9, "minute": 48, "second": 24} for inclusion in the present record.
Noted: {"hour": 7, "minute": 46, "second": 2}
